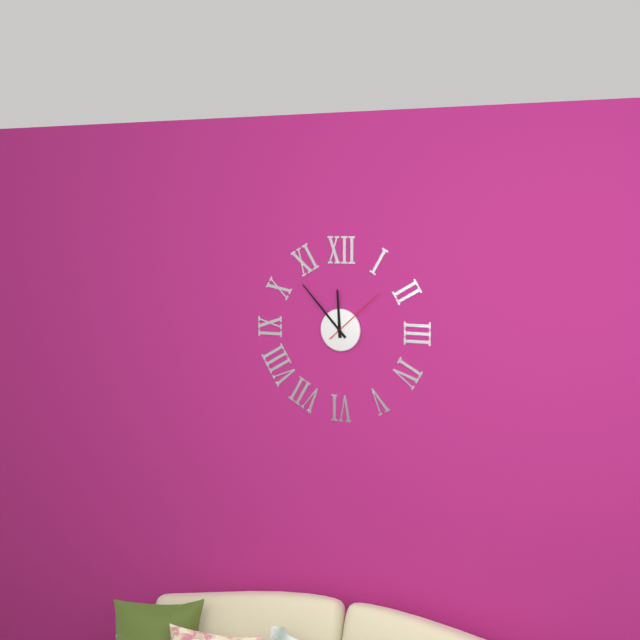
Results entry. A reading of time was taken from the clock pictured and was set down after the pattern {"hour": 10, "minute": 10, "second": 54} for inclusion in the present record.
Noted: {"hour": 11, "minute": 53, "second": 8}
